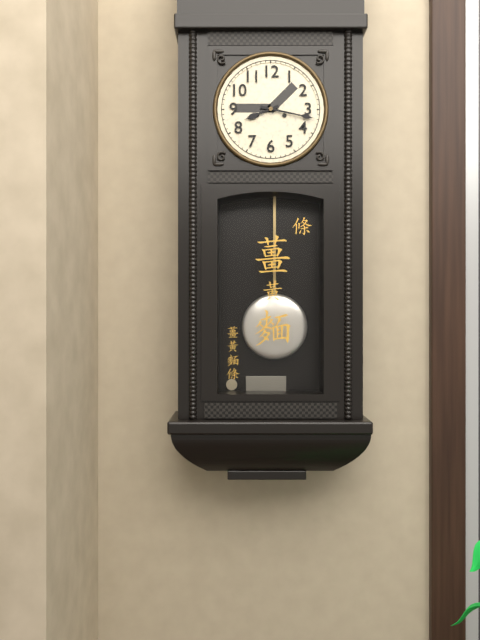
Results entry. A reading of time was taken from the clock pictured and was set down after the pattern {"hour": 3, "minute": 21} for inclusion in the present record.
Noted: {"hour": 8, "minute": 17}
